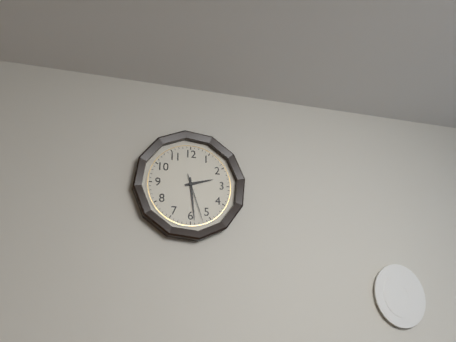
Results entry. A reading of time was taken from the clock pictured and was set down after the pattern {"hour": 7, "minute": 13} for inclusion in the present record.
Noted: {"hour": 2, "minute": 29}
